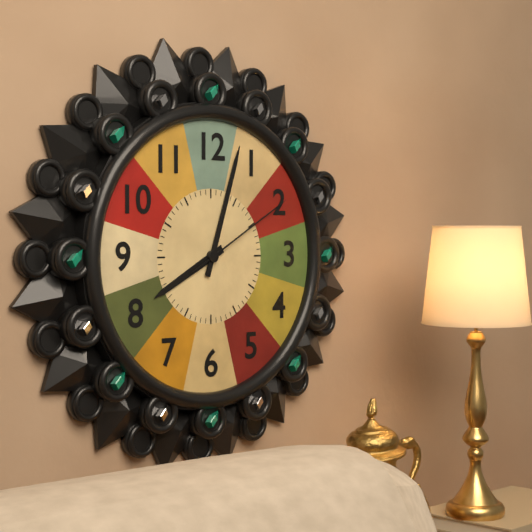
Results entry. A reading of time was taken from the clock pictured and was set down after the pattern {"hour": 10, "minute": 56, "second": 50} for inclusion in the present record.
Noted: {"hour": 8, "minute": 3, "second": 10}
